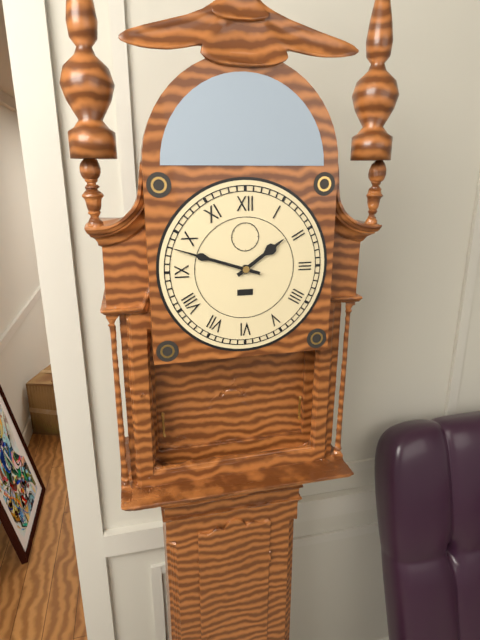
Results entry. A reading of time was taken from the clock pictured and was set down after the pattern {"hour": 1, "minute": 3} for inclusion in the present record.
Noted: {"hour": 1, "minute": 48}
